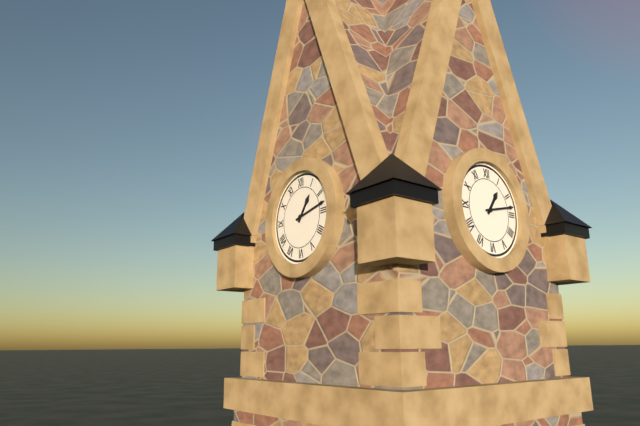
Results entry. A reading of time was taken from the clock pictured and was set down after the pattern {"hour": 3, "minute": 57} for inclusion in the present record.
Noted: {"hour": 1, "minute": 13}
